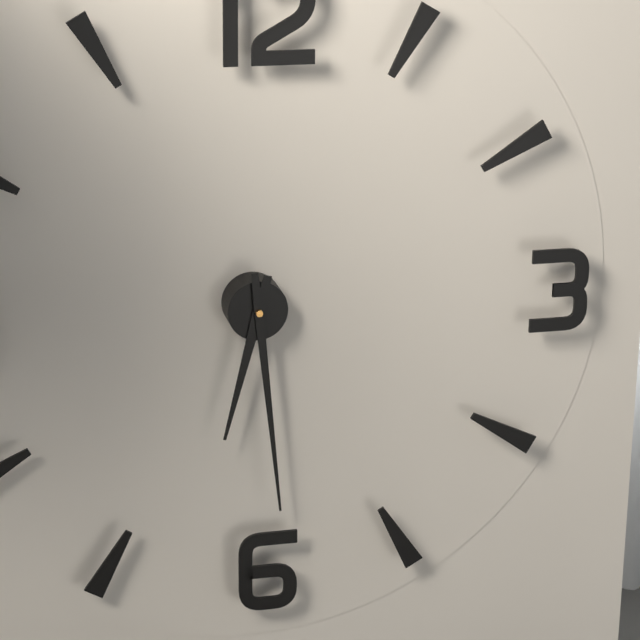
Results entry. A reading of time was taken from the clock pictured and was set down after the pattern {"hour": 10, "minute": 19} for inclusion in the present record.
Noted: {"hour": 6, "minute": 29}
